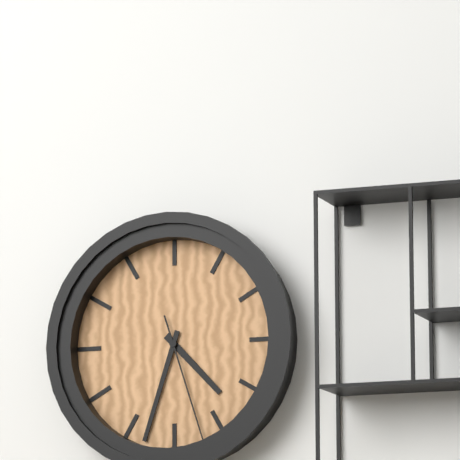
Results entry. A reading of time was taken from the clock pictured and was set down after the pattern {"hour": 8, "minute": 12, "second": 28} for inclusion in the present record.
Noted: {"hour": 4, "minute": 33, "second": 27}
